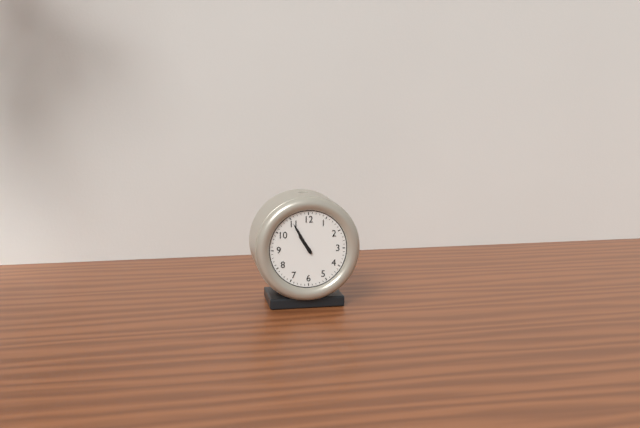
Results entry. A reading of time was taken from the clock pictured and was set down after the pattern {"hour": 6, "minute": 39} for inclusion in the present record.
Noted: {"hour": 10, "minute": 55}
